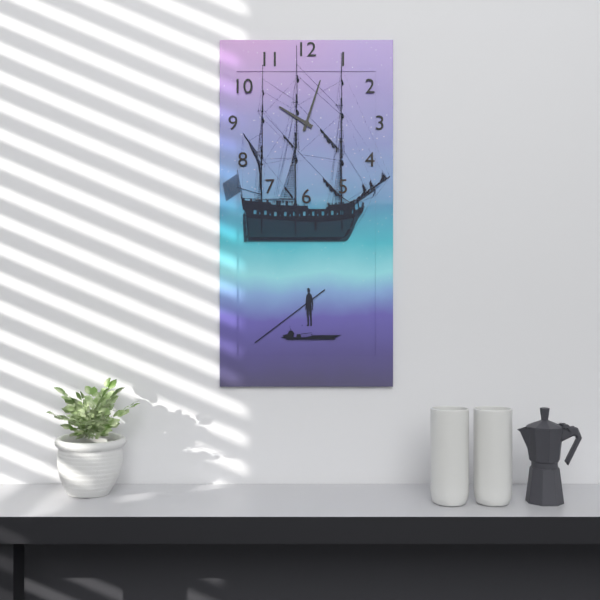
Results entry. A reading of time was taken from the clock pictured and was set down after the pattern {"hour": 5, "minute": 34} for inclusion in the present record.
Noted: {"hour": 10, "minute": 3}
